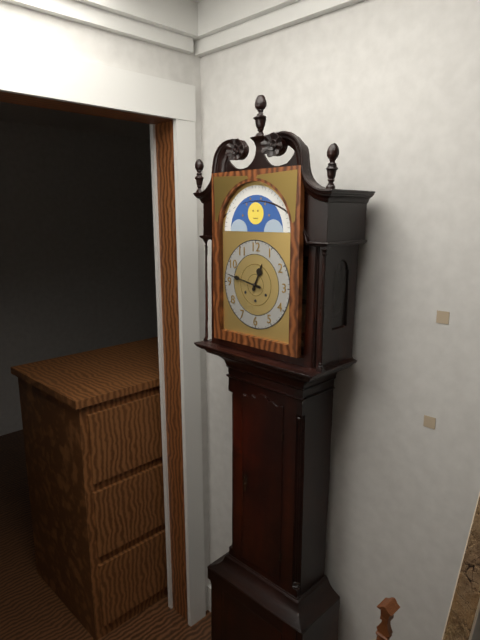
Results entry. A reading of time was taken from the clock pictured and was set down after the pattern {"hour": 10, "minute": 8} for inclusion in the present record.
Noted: {"hour": 12, "minute": 47}
